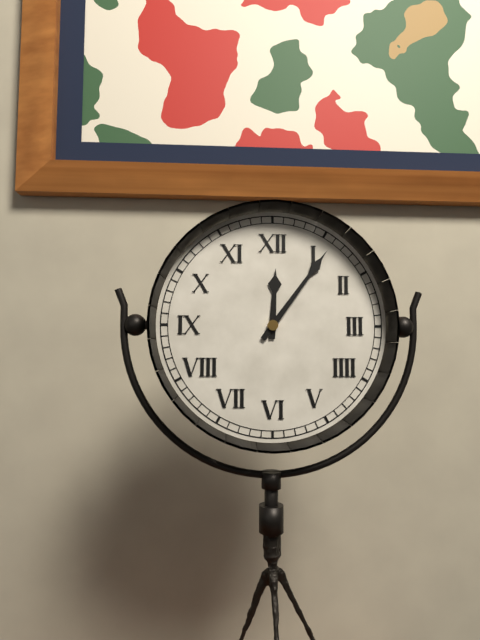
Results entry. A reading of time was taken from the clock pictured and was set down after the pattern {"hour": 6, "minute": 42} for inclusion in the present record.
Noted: {"hour": 12, "minute": 6}
